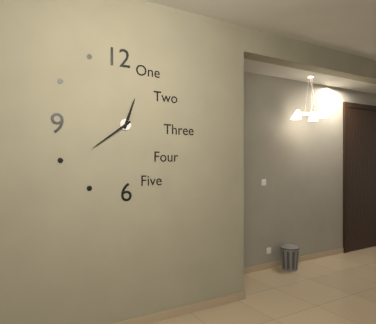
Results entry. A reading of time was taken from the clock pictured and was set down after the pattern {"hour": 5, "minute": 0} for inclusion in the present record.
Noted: {"hour": 12, "minute": 39}
